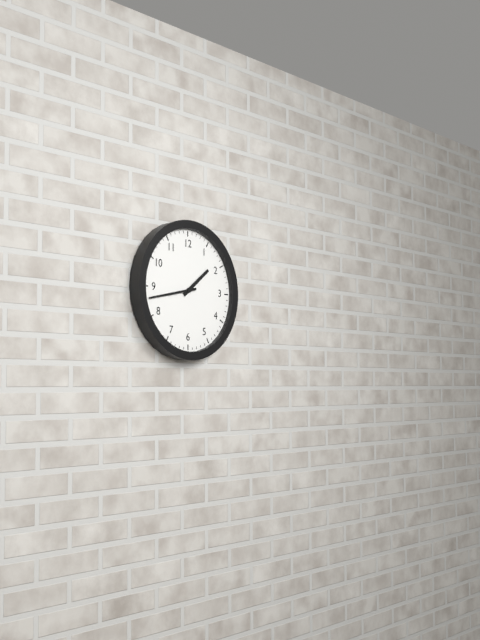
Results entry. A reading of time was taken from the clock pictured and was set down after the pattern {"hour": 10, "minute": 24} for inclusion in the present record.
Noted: {"hour": 1, "minute": 43}
